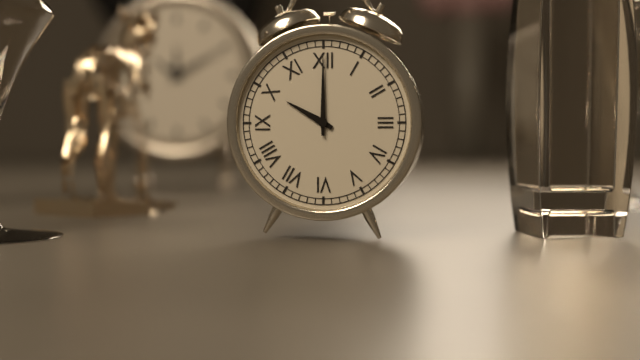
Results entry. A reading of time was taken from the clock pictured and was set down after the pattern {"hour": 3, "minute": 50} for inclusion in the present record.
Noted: {"hour": 10, "minute": 0}
